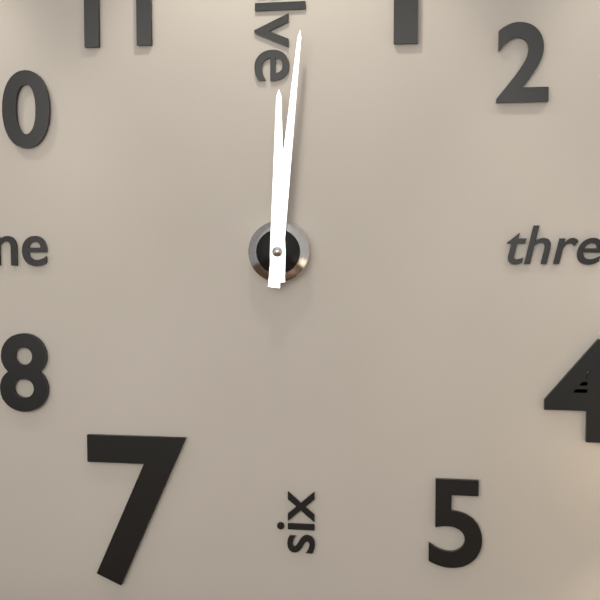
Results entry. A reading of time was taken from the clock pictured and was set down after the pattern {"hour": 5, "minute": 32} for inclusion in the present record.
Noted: {"hour": 12, "minute": 1}
